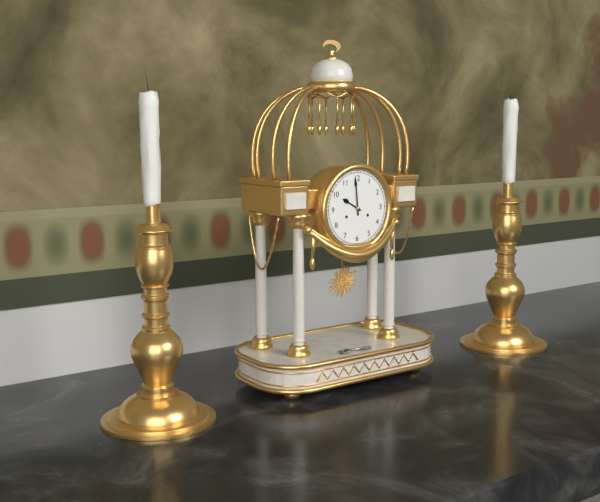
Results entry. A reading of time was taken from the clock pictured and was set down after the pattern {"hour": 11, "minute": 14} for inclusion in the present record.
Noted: {"hour": 9, "minute": 59}
